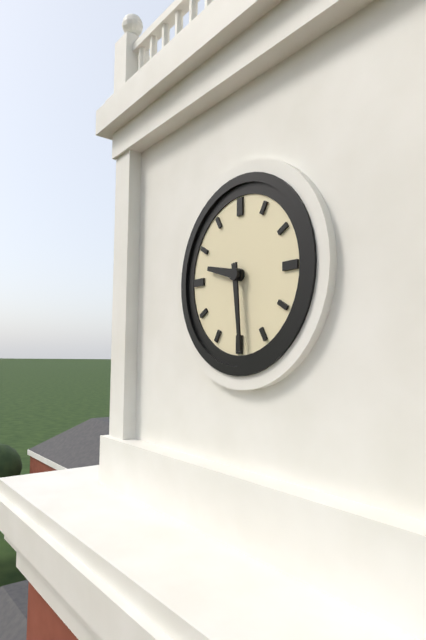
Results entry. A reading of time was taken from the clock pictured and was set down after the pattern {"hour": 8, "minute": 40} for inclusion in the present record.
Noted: {"hour": 9, "minute": 29}
